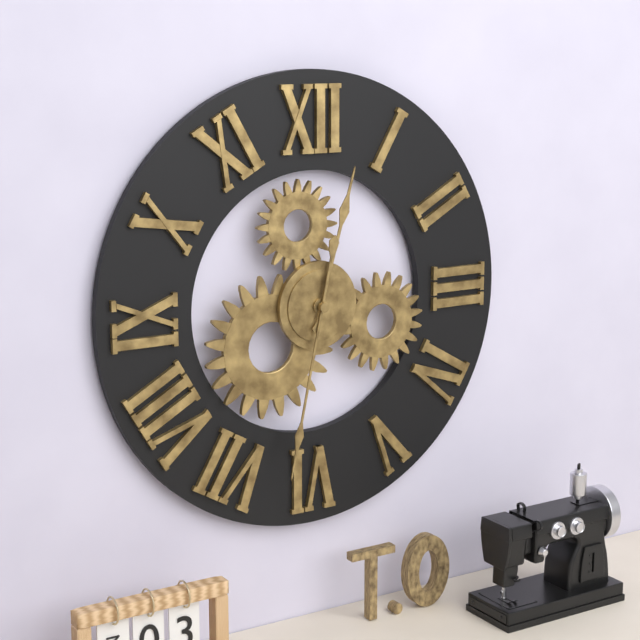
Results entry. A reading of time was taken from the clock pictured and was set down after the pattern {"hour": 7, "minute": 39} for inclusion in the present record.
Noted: {"hour": 12, "minute": 32}
